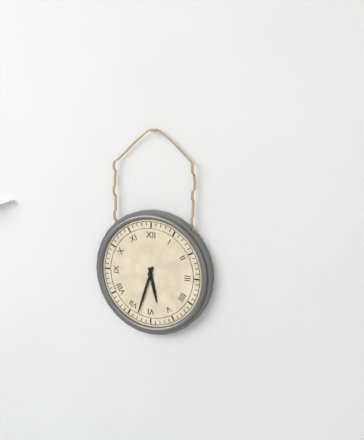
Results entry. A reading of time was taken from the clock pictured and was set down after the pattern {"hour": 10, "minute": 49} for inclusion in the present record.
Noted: {"hour": 5, "minute": 33}
